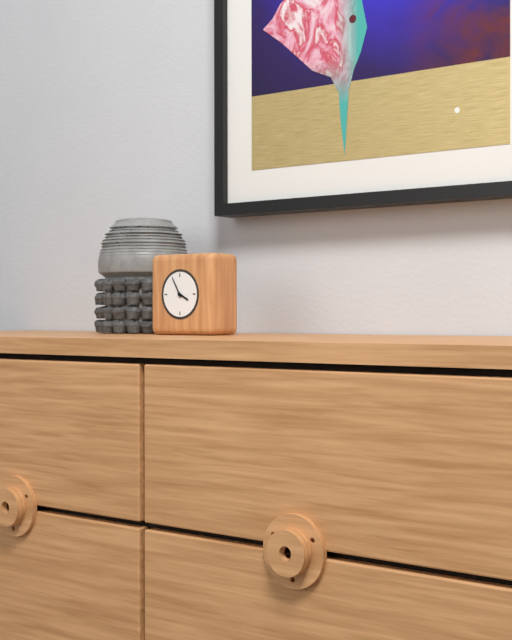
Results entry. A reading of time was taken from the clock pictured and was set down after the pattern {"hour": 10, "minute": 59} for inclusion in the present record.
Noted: {"hour": 3, "minute": 55}
